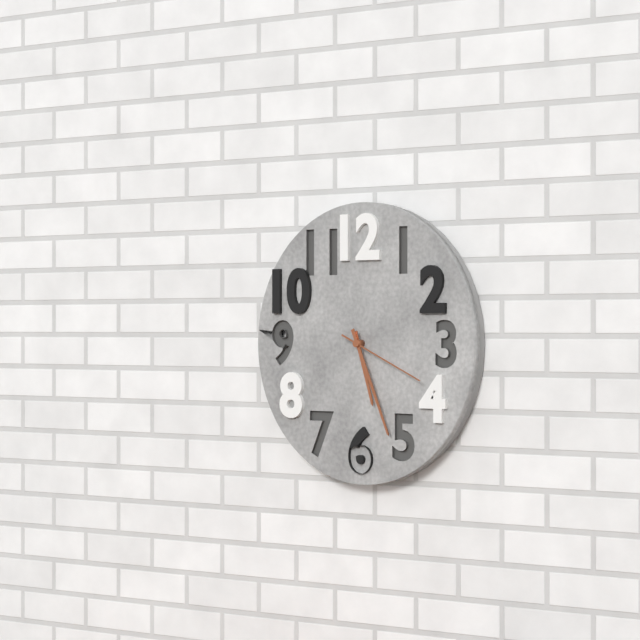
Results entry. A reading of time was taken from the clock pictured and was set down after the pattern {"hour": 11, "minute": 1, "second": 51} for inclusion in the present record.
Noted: {"hour": 5, "minute": 26, "second": 19}
